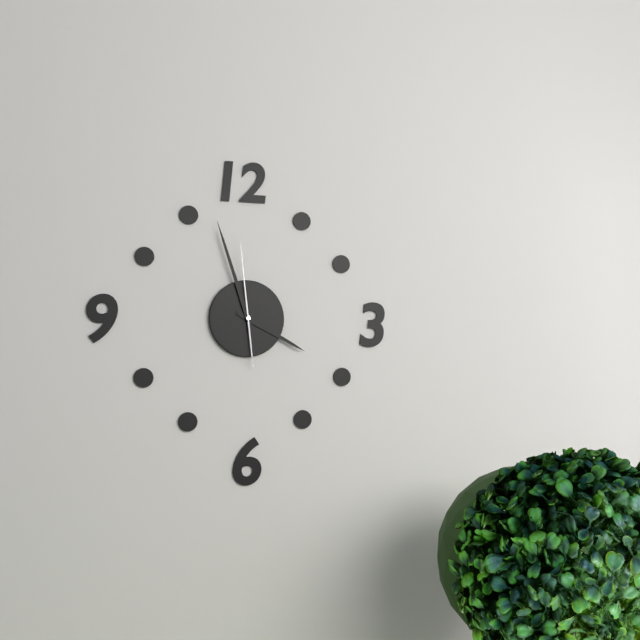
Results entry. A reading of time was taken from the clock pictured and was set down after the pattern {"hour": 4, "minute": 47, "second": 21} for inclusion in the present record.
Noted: {"hour": 3, "minute": 57, "second": 59}
